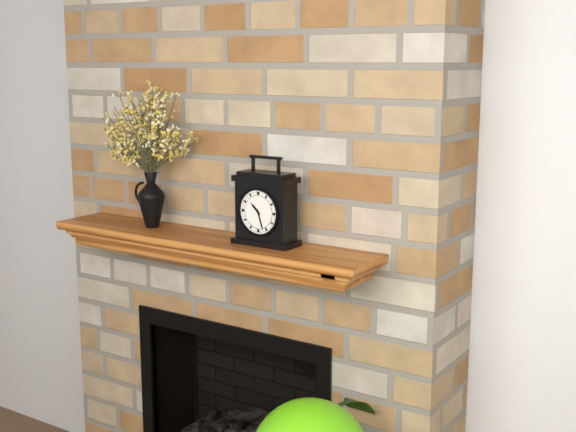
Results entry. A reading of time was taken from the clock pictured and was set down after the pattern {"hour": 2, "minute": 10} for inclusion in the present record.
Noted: {"hour": 10, "minute": 27}
